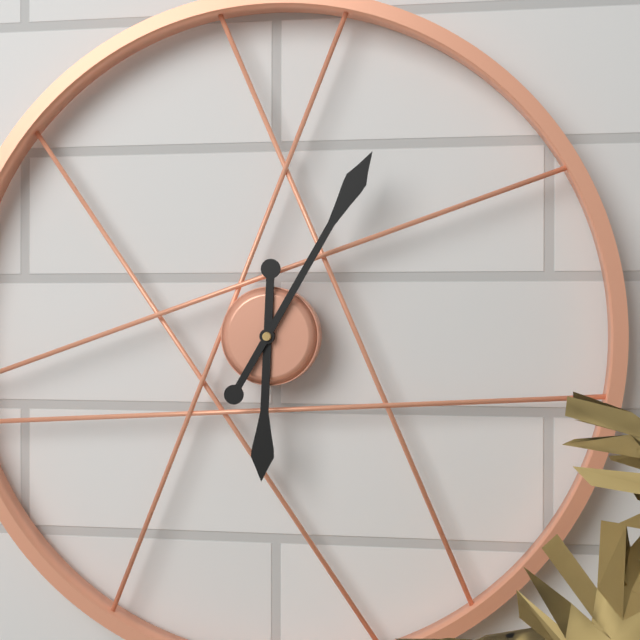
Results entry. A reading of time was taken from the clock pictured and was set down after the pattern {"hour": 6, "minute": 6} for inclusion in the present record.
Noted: {"hour": 6, "minute": 5}
